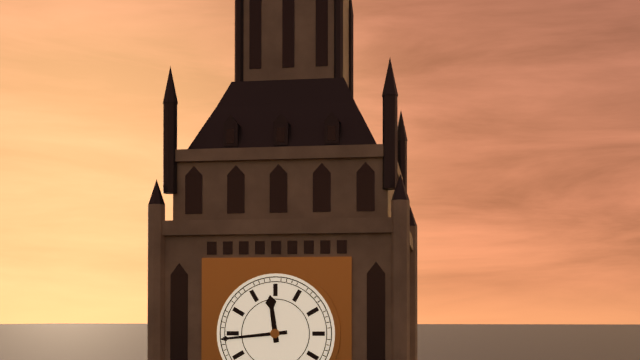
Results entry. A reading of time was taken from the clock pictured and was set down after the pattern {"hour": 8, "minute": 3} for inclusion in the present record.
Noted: {"hour": 11, "minute": 44}
